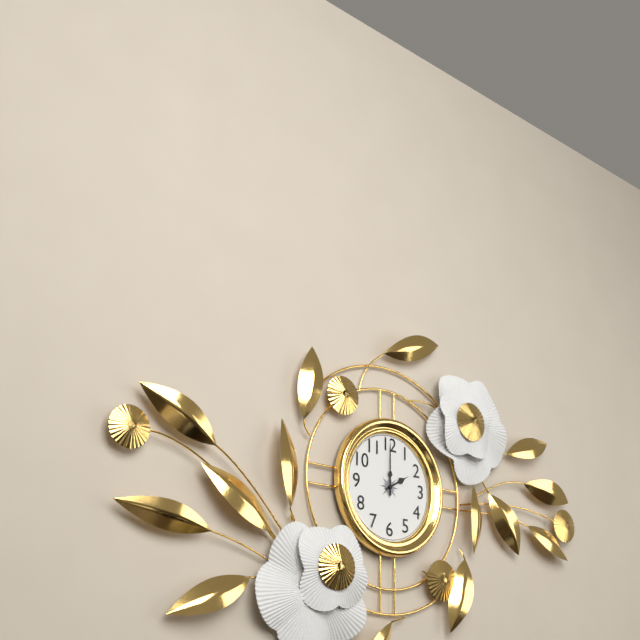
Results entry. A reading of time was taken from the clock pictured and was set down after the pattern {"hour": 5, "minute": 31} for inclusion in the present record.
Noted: {"hour": 2, "minute": 0}
